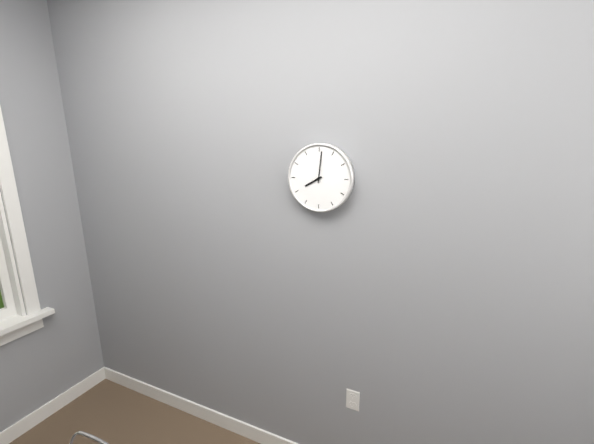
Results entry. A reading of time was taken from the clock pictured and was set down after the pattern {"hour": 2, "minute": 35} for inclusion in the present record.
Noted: {"hour": 8, "minute": 1}
